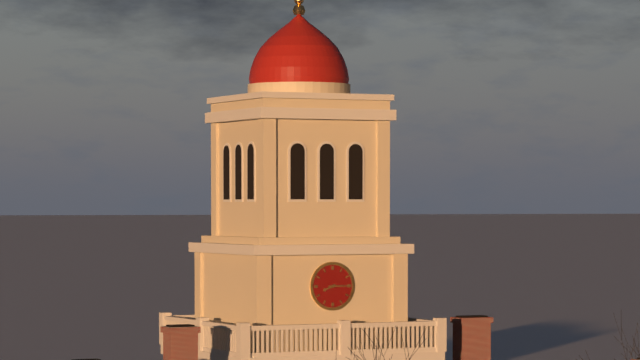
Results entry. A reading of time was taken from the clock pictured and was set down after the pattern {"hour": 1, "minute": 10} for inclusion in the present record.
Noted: {"hour": 8, "minute": 15}
